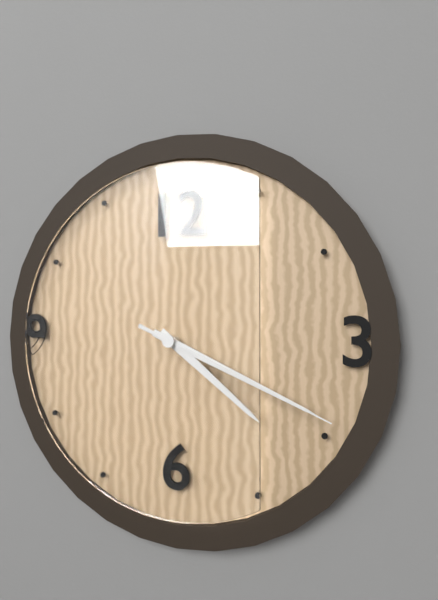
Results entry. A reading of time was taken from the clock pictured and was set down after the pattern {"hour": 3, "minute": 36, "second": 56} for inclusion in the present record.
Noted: {"hour": 4, "minute": 19, "second": 19}
